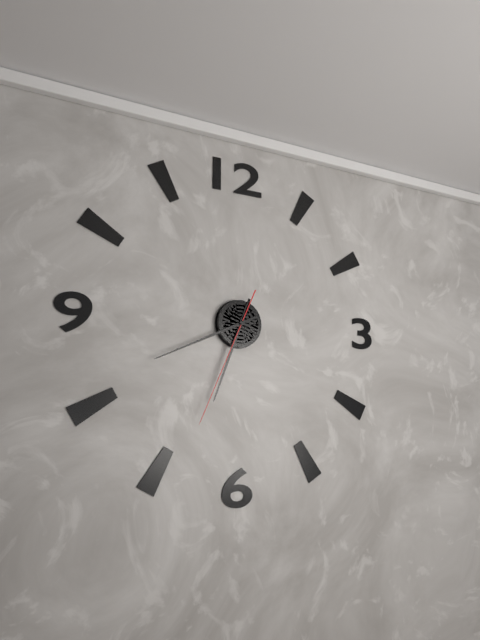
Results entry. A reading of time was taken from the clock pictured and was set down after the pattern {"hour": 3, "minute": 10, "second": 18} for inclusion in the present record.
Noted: {"hour": 6, "minute": 41, "second": 34}
